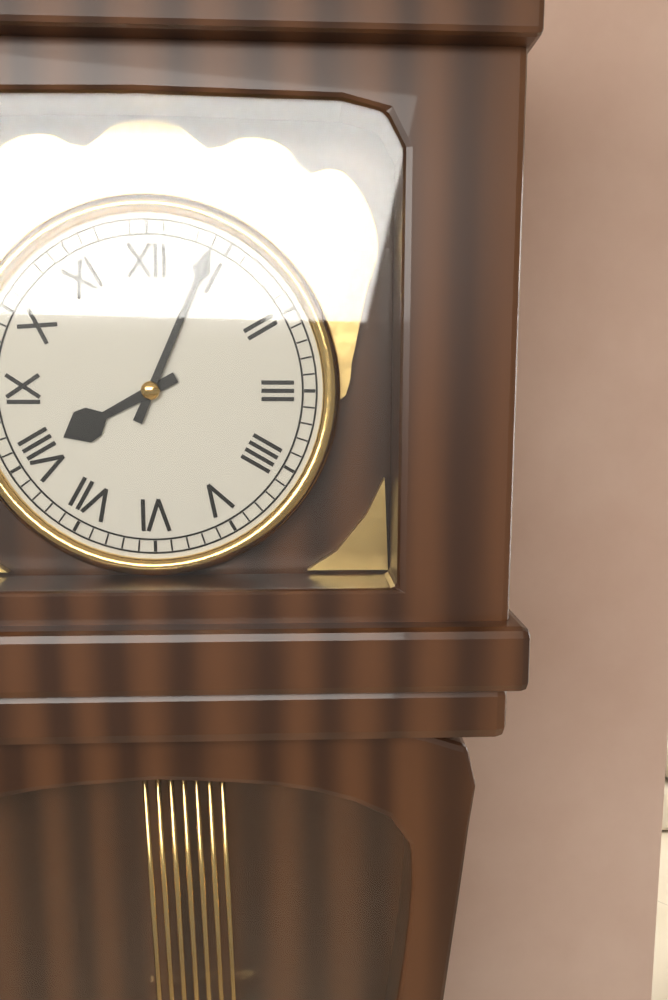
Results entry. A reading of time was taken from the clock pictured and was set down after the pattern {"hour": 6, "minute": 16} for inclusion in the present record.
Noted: {"hour": 8, "minute": 4}
